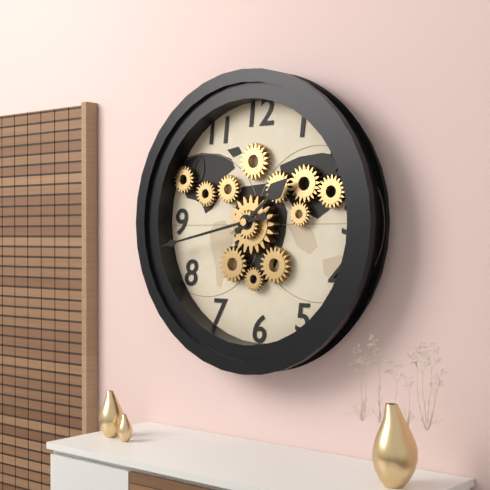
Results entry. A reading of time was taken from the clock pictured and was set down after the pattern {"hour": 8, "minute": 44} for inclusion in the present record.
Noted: {"hour": 1, "minute": 43}
